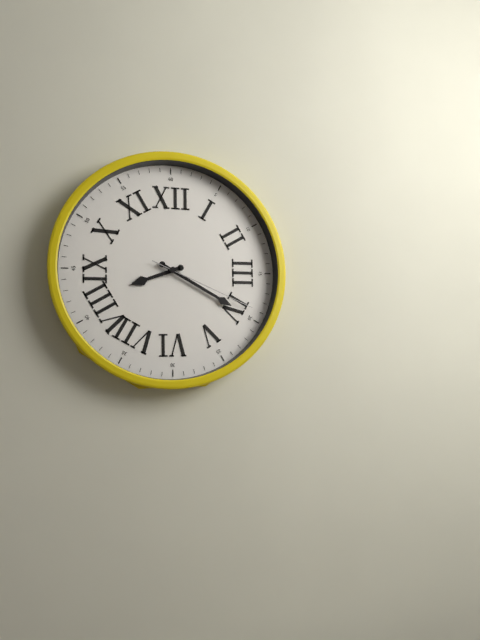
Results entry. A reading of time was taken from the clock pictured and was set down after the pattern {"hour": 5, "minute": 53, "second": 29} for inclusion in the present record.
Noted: {"hour": 8, "minute": 20, "second": 19}
